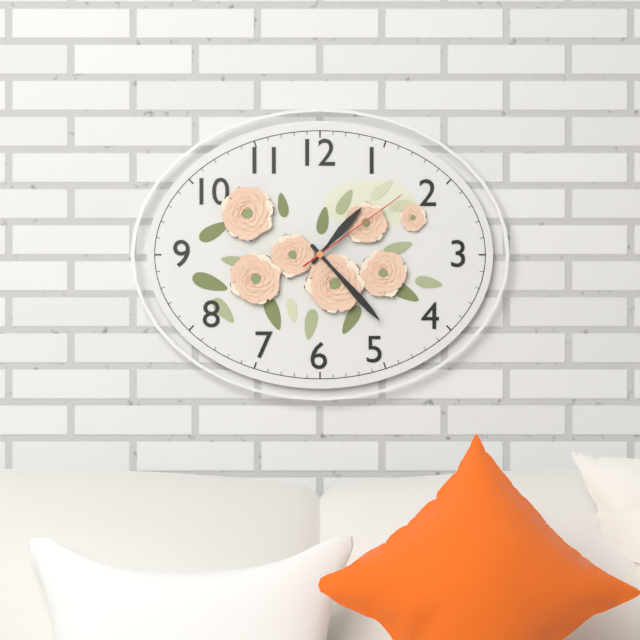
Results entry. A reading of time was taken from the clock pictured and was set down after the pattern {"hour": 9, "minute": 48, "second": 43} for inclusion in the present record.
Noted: {"hour": 1, "minute": 23, "second": 9}
